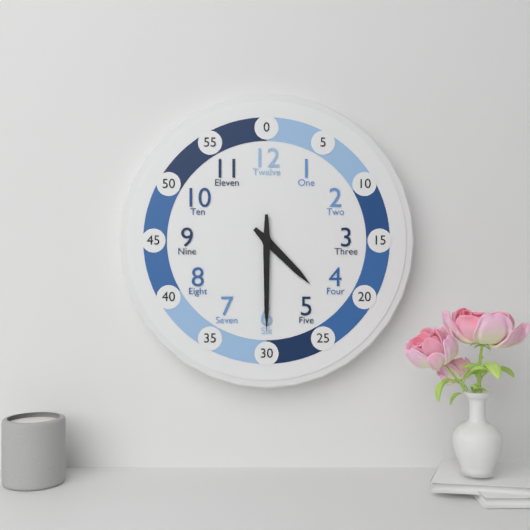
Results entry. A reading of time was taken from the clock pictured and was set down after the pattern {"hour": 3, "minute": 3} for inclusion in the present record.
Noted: {"hour": 4, "minute": 30}
